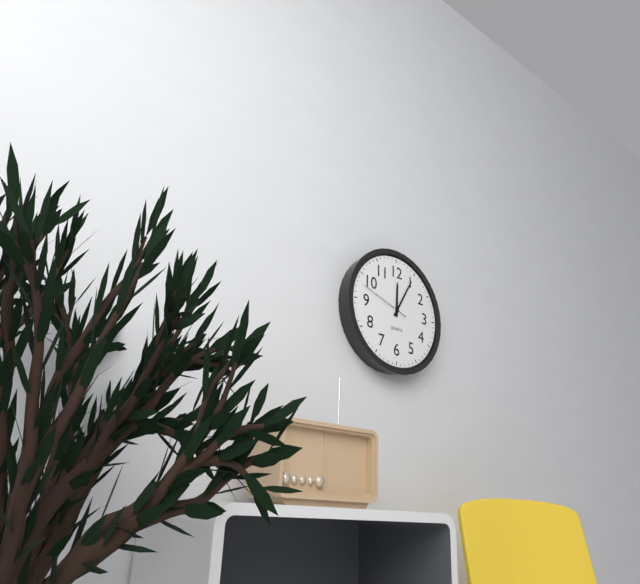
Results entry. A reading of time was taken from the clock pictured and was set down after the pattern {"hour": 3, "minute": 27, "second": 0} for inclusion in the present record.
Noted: {"hour": 12, "minute": 5, "second": 48}
